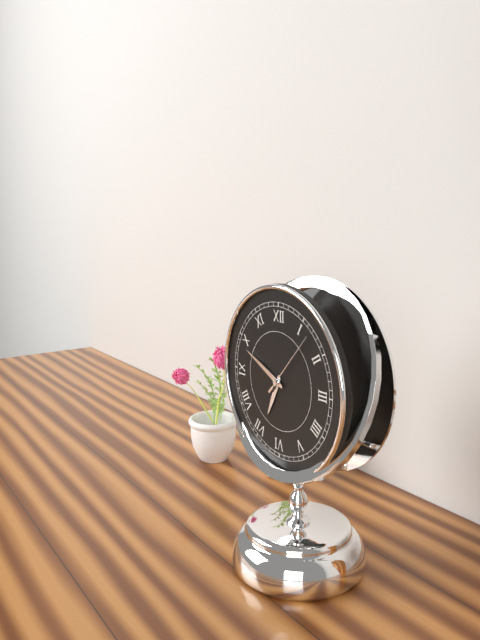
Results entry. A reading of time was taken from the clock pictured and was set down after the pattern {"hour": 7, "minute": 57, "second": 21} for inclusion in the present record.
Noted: {"hour": 6, "minute": 49, "second": 7}
